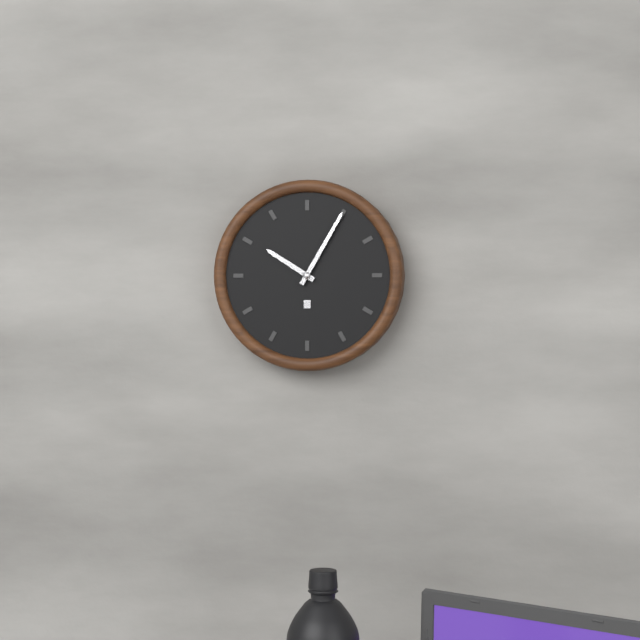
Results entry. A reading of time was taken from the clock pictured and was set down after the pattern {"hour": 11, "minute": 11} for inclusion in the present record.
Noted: {"hour": 10, "minute": 5}
